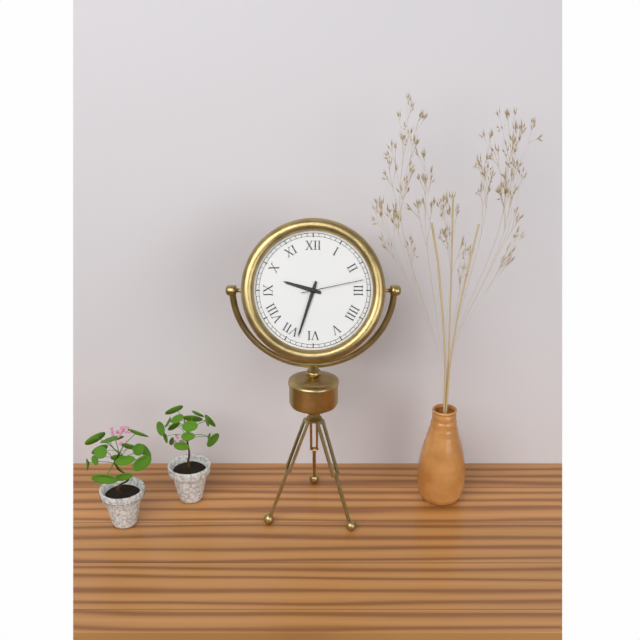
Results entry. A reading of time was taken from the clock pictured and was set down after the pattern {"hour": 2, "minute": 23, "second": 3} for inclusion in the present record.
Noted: {"hour": 9, "minute": 33, "second": 13}
